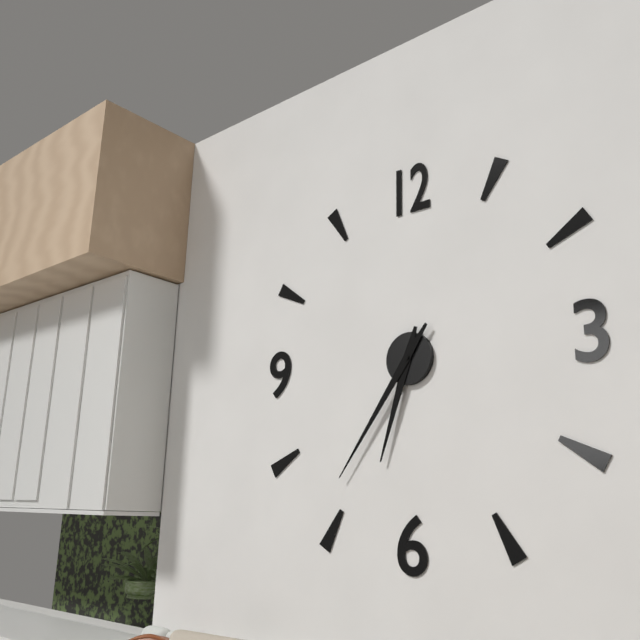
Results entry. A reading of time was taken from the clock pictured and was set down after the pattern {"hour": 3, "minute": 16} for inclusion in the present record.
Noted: {"hour": 6, "minute": 36}
